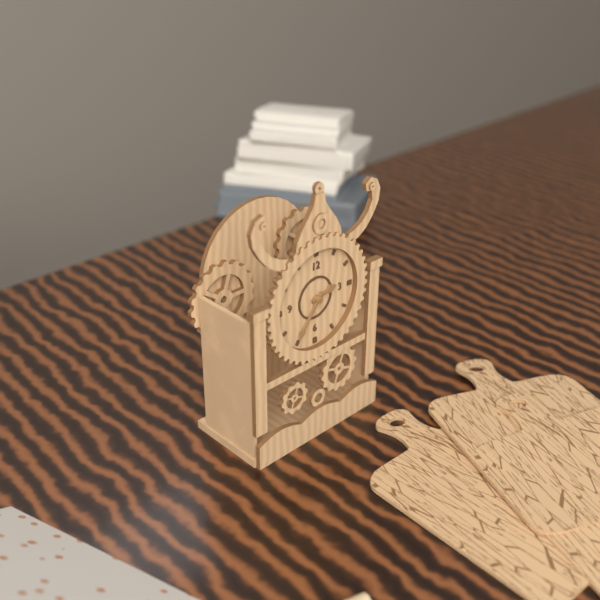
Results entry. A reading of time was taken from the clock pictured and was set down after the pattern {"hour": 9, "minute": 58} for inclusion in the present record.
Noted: {"hour": 2, "minute": 36}
